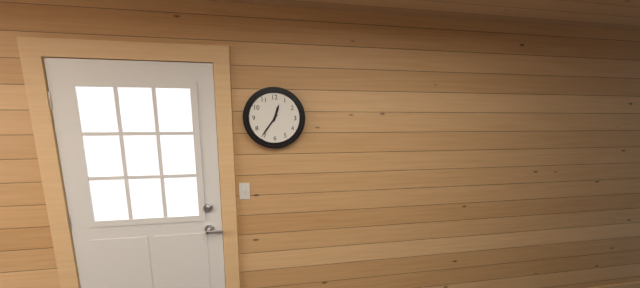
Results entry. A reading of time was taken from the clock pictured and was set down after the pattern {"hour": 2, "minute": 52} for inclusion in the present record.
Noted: {"hour": 12, "minute": 36}
